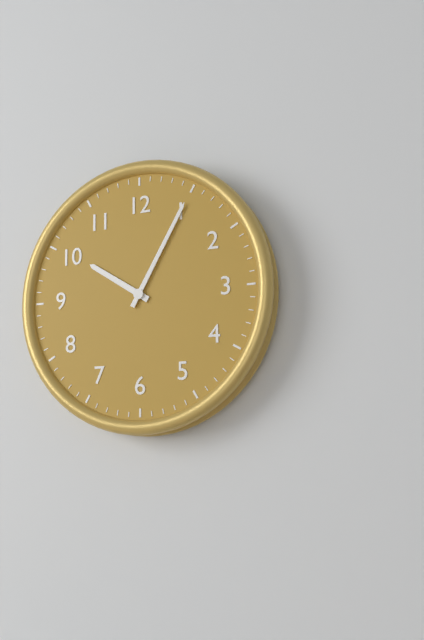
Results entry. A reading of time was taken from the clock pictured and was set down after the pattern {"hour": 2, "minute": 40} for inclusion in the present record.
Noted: {"hour": 10, "minute": 5}
